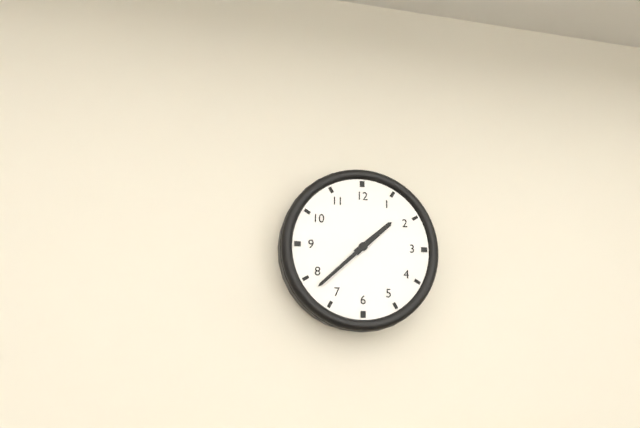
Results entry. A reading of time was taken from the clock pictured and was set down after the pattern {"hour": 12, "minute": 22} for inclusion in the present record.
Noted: {"hour": 1, "minute": 38}
